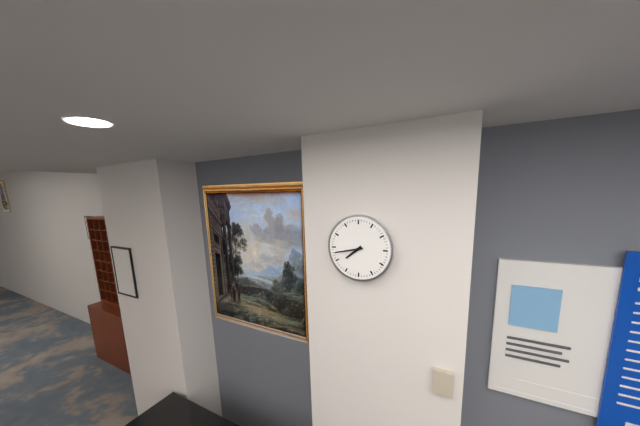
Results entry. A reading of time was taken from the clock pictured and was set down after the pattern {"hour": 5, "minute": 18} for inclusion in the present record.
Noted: {"hour": 7, "minute": 43}
